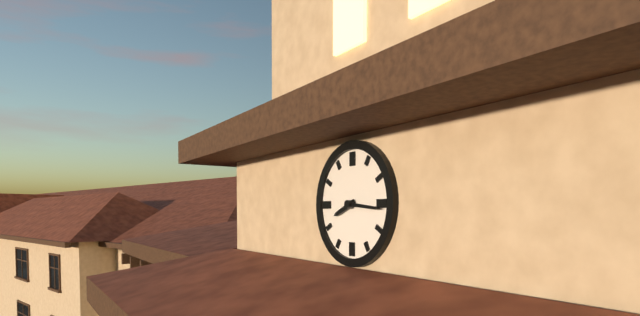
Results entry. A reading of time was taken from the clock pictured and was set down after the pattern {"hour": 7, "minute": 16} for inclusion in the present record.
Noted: {"hour": 8, "minute": 16}
